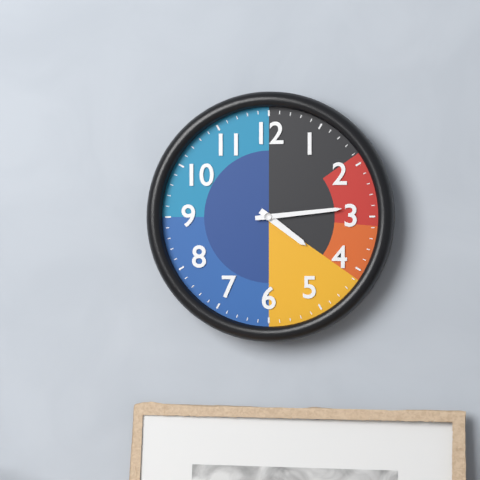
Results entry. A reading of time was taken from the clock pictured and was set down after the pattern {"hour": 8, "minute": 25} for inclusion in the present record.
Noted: {"hour": 4, "minute": 14}
